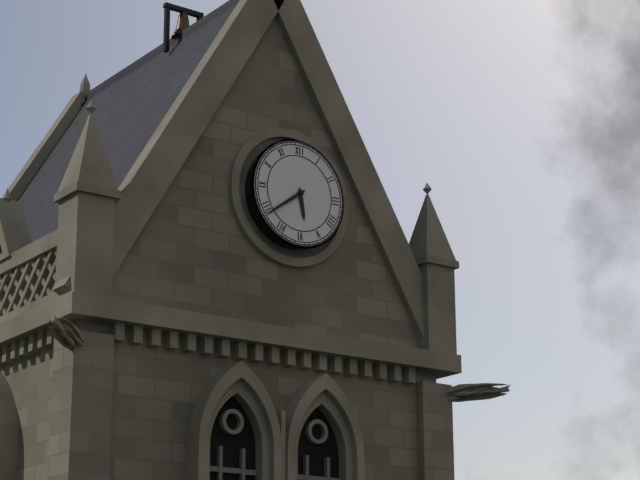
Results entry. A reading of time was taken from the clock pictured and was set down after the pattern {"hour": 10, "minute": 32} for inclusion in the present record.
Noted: {"hour": 5, "minute": 39}
